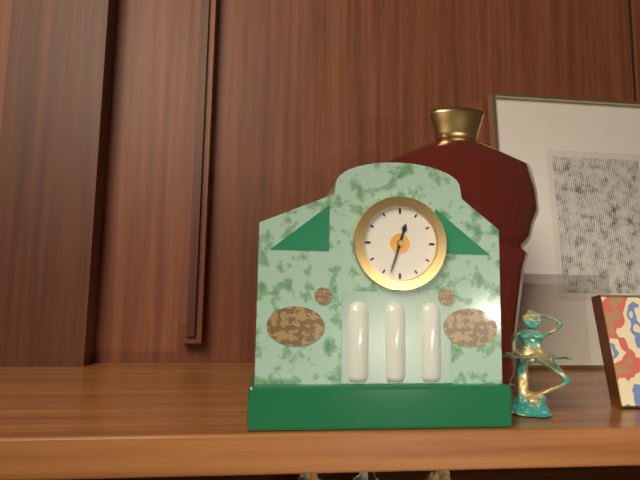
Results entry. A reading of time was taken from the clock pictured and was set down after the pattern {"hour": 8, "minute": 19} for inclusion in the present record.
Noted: {"hour": 12, "minute": 33}
